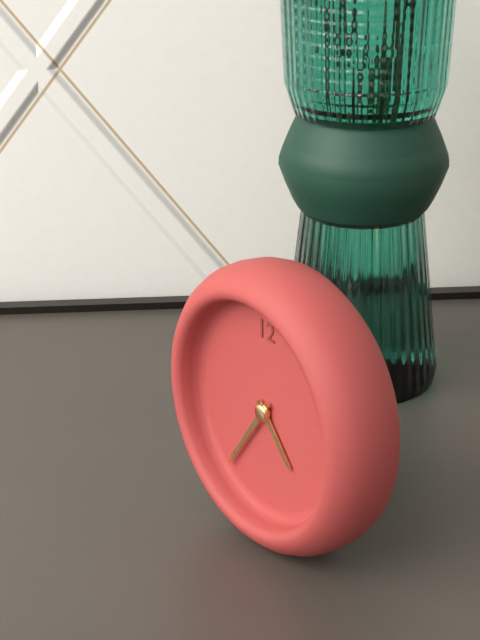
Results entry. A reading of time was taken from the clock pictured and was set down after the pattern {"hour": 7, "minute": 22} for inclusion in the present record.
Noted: {"hour": 4, "minute": 36}
